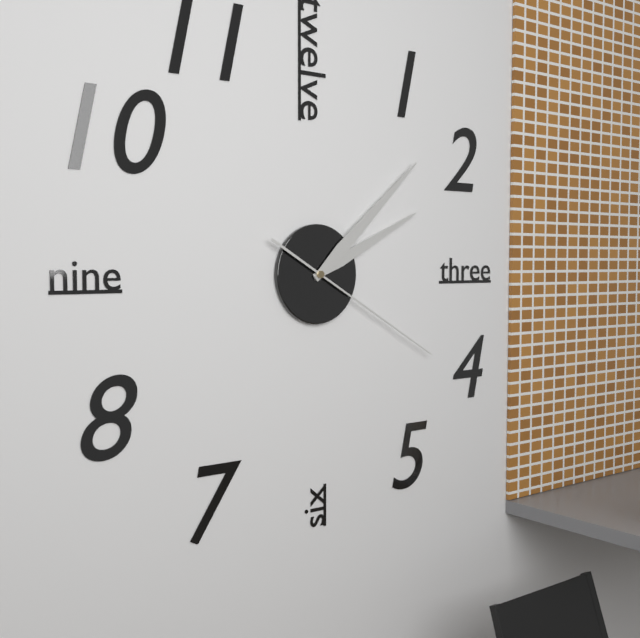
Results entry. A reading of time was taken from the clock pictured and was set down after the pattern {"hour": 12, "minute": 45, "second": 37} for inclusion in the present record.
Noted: {"hour": 2, "minute": 8, "second": 20}
